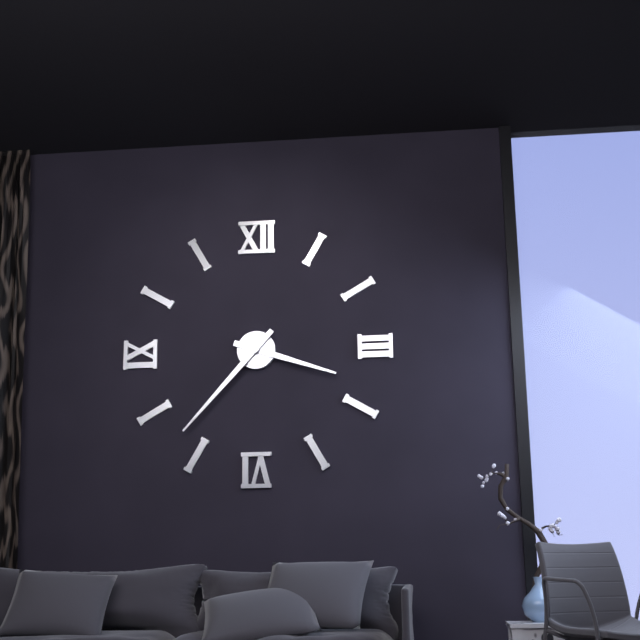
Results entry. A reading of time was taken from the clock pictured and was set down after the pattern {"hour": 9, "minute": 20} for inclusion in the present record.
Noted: {"hour": 3, "minute": 37}
